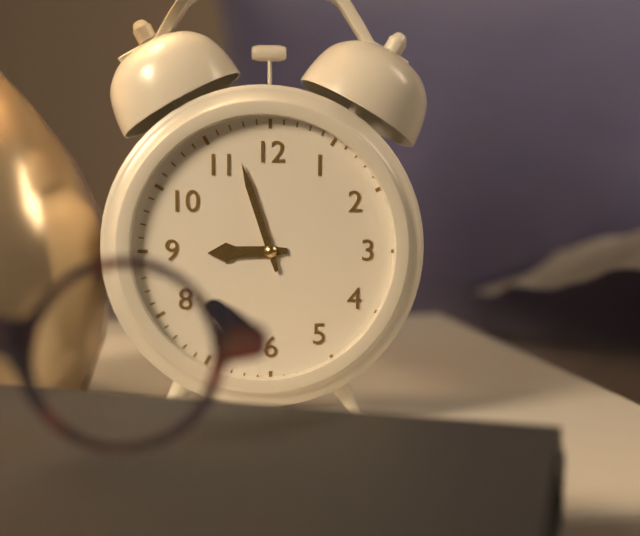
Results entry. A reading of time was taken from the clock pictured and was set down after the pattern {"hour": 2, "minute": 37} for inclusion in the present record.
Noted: {"hour": 8, "minute": 57}
